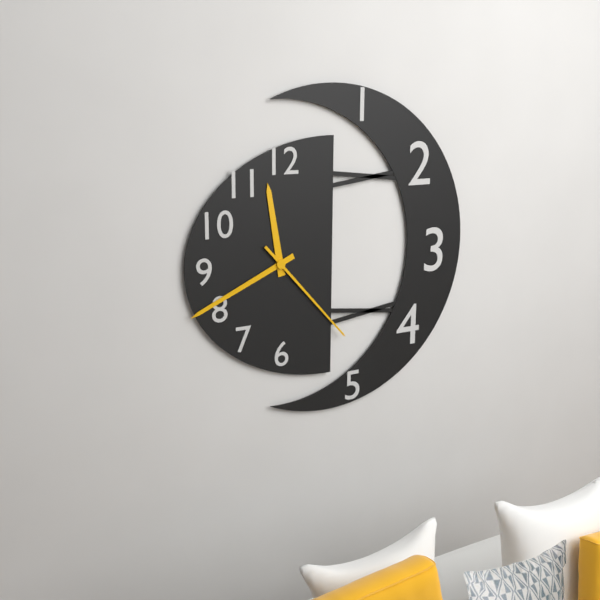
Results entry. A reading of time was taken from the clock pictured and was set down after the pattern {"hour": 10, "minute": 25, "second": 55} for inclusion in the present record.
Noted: {"hour": 11, "minute": 41, "second": 23}
